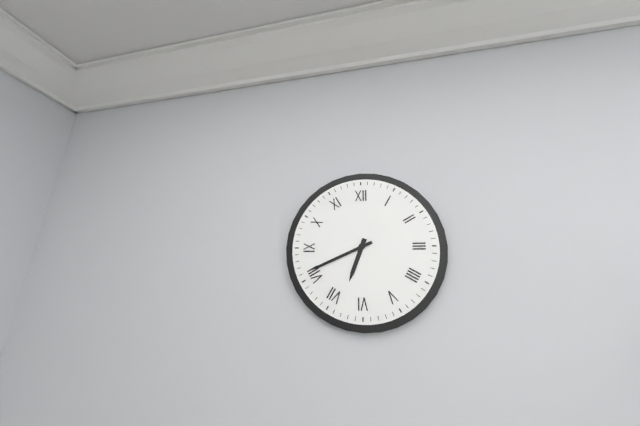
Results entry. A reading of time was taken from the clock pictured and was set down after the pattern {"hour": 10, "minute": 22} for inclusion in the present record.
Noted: {"hour": 6, "minute": 41}
